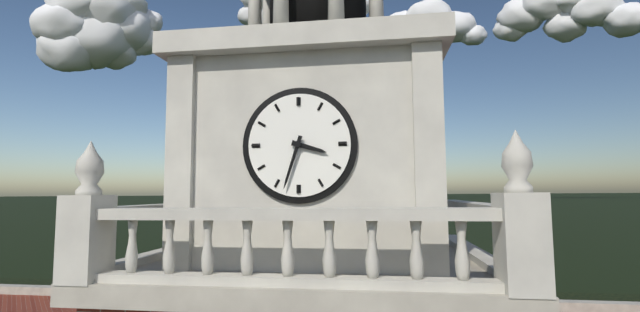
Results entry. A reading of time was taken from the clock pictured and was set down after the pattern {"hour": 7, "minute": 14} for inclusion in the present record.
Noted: {"hour": 3, "minute": 33}
